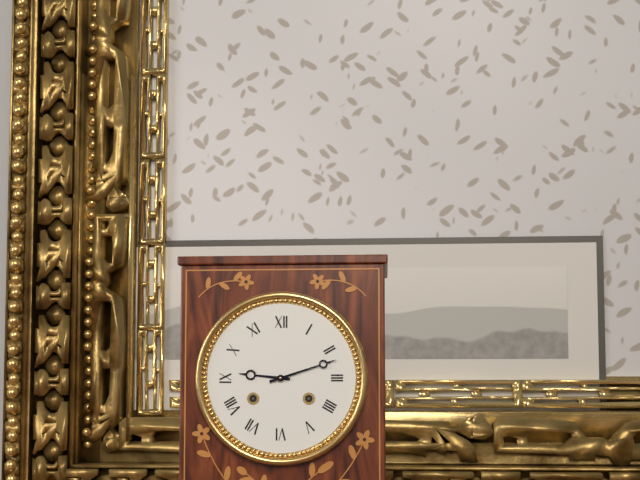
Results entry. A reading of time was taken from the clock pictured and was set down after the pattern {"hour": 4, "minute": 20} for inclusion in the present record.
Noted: {"hour": 9, "minute": 12}
